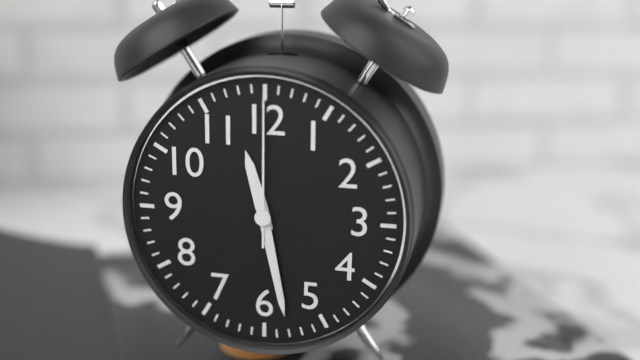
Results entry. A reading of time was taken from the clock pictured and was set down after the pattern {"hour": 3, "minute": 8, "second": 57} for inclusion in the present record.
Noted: {"hour": 11, "minute": 28, "second": 0}
